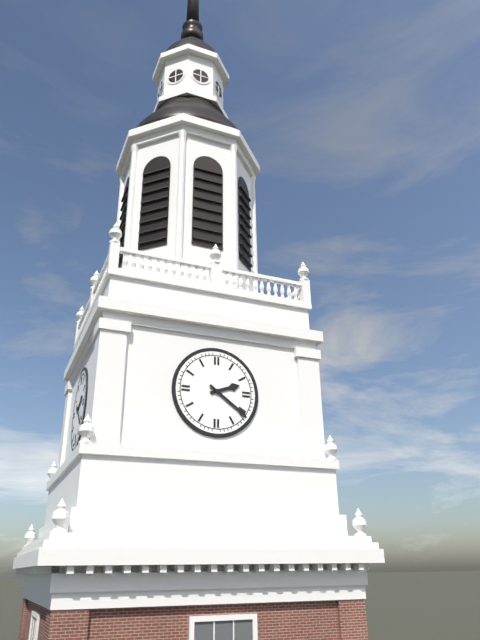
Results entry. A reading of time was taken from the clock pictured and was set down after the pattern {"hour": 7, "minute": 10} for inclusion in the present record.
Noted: {"hour": 2, "minute": 21}
